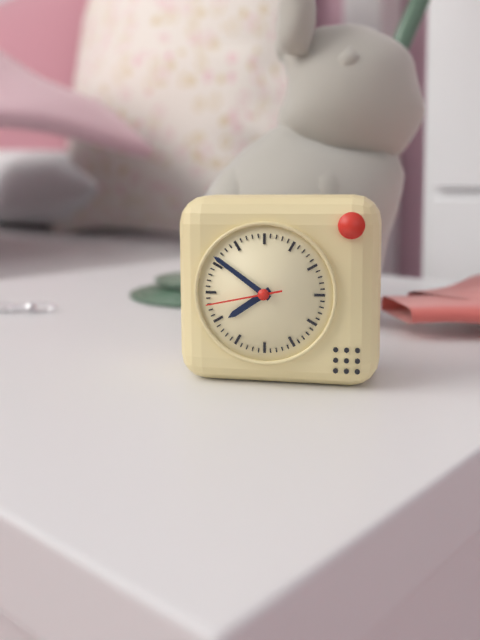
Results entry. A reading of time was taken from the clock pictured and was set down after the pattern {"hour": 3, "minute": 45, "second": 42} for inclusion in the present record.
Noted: {"hour": 7, "minute": 51, "second": 43}
